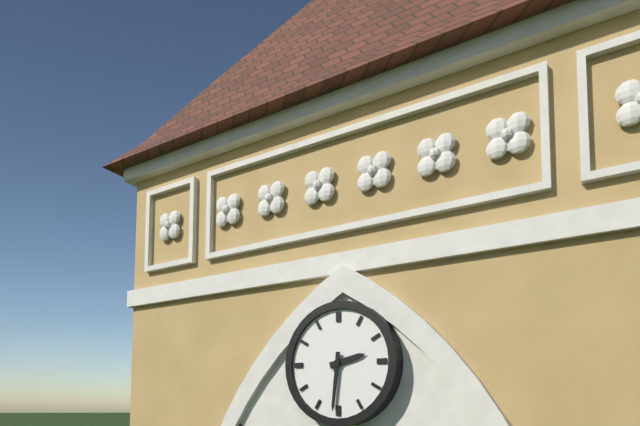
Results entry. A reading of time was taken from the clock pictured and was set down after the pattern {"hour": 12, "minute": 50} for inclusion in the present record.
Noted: {"hour": 2, "minute": 31}
